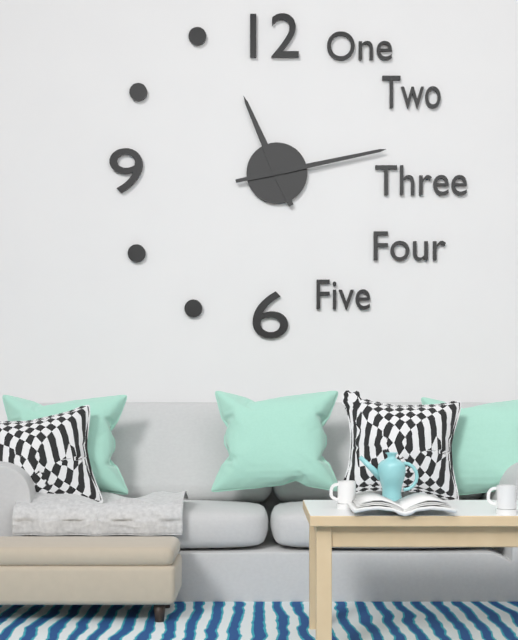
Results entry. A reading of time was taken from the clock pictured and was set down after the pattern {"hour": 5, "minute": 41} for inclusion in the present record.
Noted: {"hour": 11, "minute": 13}
